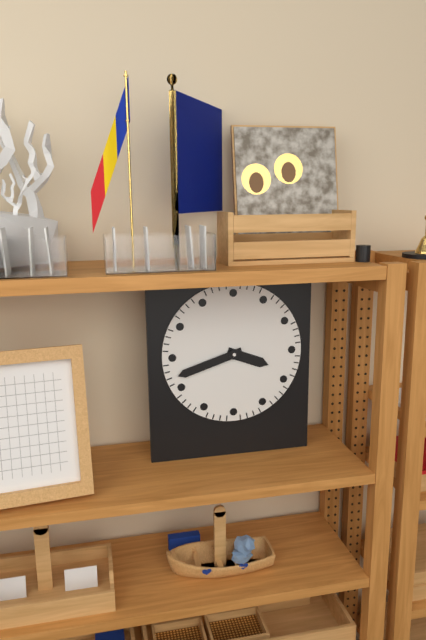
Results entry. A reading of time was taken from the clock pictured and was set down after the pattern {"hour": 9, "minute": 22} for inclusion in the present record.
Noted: {"hour": 3, "minute": 42}
